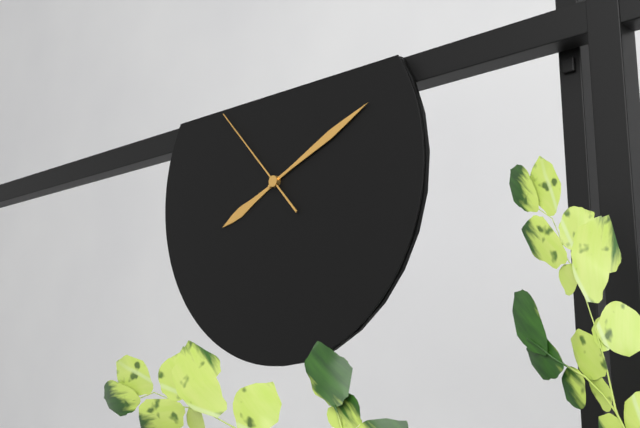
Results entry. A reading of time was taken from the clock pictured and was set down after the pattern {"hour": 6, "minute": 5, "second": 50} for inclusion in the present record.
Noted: {"hour": 8, "minute": 11, "second": 53}
